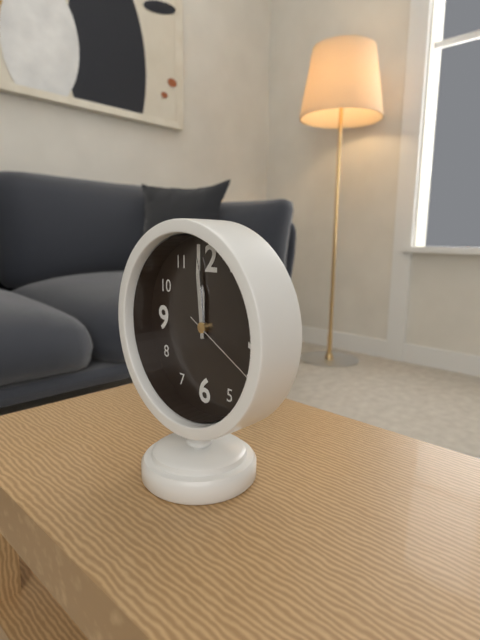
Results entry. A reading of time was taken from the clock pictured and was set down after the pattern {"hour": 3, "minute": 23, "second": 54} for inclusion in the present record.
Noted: {"hour": 11, "minute": 59, "second": 20}
